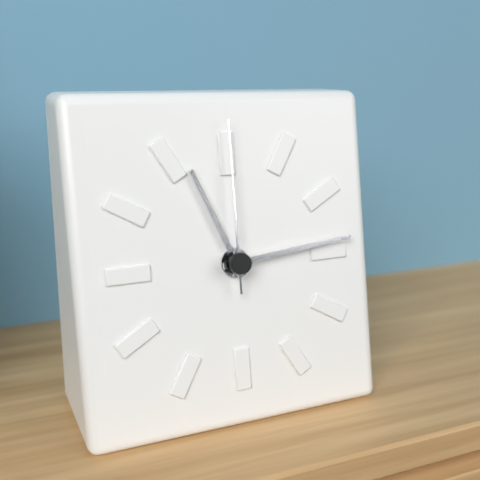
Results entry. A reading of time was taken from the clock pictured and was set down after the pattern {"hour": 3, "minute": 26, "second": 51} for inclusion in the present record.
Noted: {"hour": 11, "minute": 14, "second": 0}
